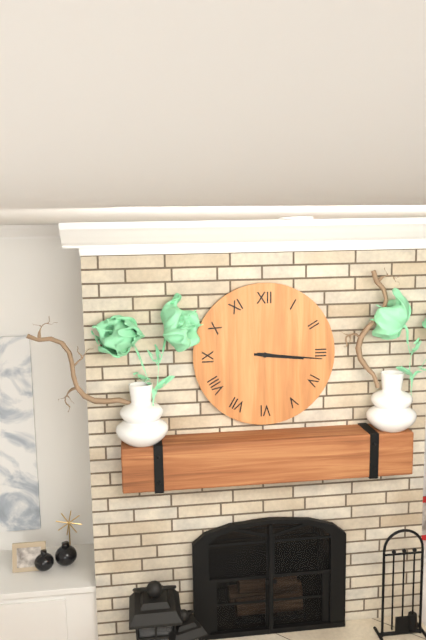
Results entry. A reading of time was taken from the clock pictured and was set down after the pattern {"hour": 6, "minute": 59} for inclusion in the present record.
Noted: {"hour": 3, "minute": 16}
